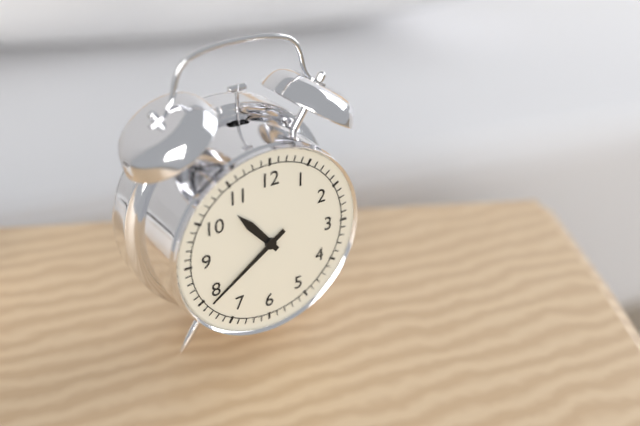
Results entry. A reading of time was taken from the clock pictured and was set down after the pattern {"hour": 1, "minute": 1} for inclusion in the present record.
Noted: {"hour": 10, "minute": 39}
